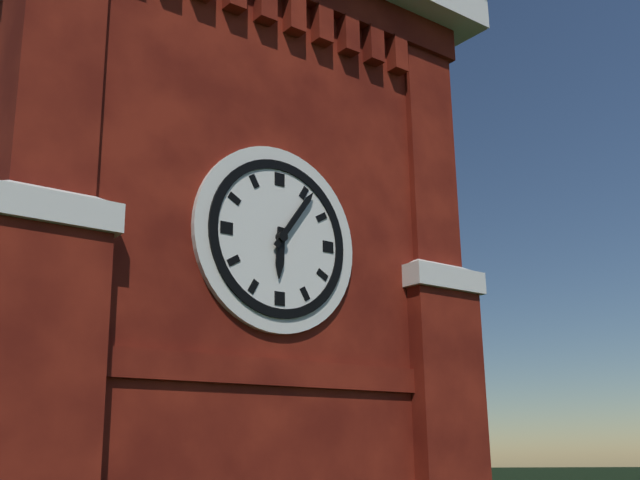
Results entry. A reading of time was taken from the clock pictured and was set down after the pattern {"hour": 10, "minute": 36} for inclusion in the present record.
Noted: {"hour": 6, "minute": 6}
